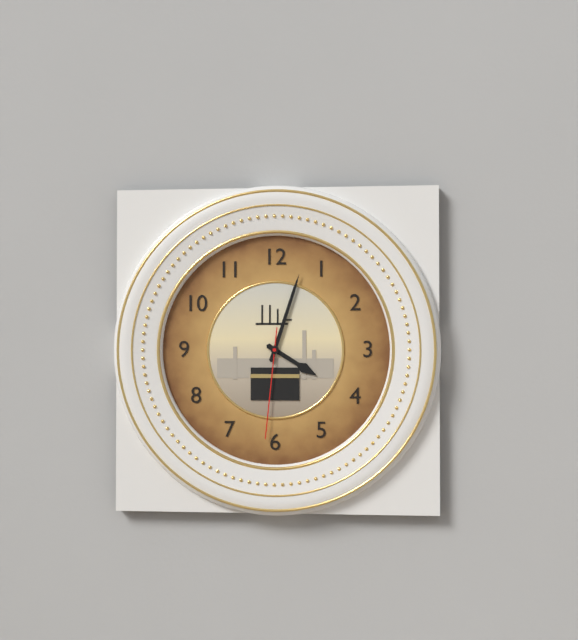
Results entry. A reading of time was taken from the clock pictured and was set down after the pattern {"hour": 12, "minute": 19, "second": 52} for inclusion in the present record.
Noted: {"hour": 4, "minute": 3, "second": 31}
